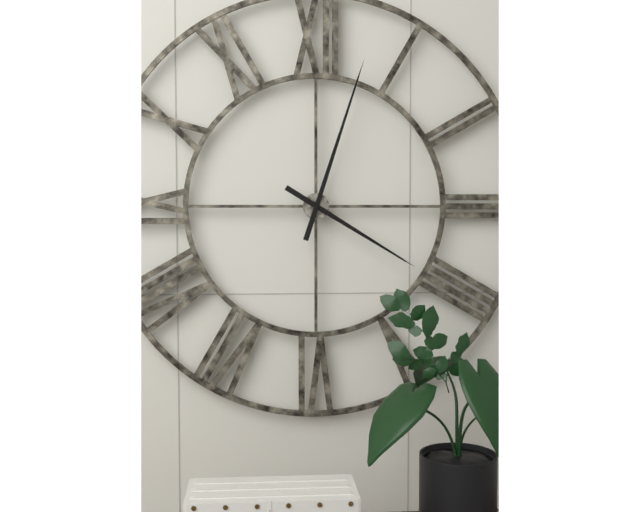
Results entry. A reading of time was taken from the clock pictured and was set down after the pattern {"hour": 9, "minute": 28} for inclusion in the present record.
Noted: {"hour": 4, "minute": 3}
